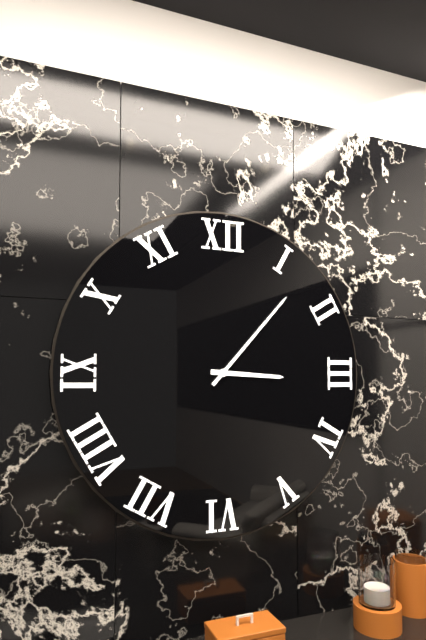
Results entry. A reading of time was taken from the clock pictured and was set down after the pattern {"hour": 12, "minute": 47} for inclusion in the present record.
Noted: {"hour": 3, "minute": 7}
